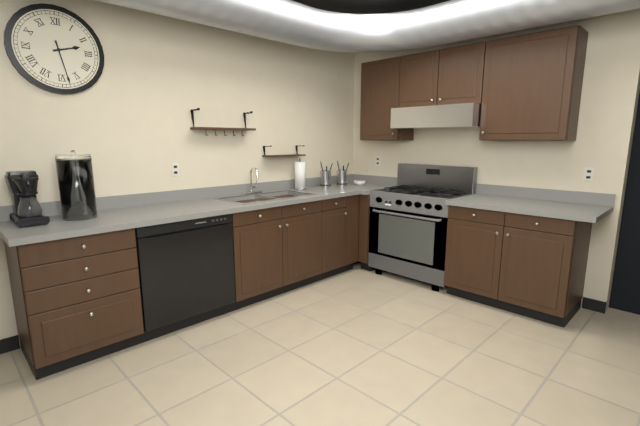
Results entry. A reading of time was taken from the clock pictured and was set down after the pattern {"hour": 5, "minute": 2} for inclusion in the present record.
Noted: {"hour": 2, "minute": 28}
